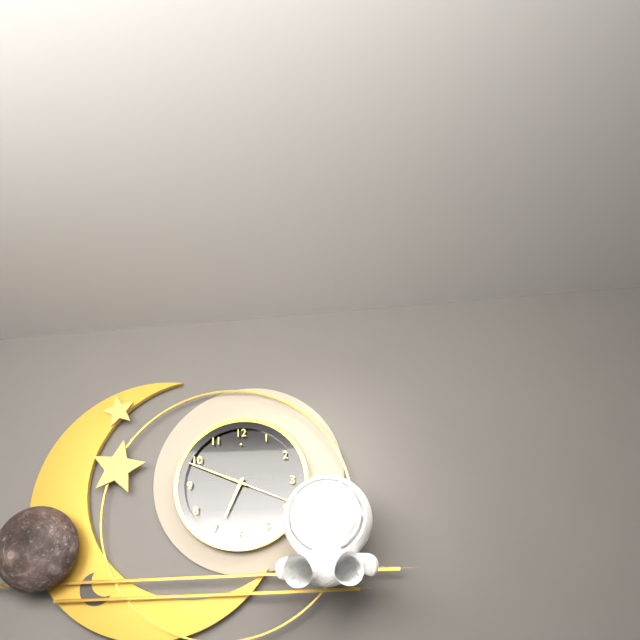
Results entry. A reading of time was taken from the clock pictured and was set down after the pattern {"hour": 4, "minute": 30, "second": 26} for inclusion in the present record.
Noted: {"hour": 6, "minute": 49, "second": 19}
